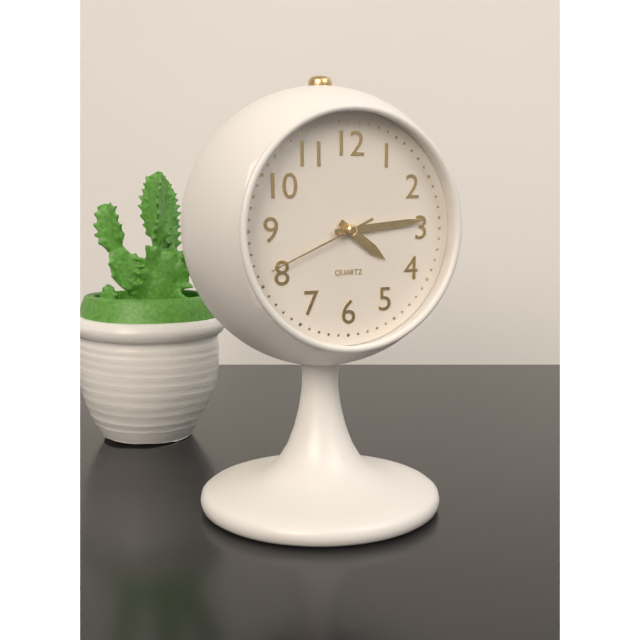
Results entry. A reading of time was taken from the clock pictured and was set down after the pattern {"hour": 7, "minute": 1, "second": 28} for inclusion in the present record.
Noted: {"hour": 4, "minute": 14, "second": 41}
